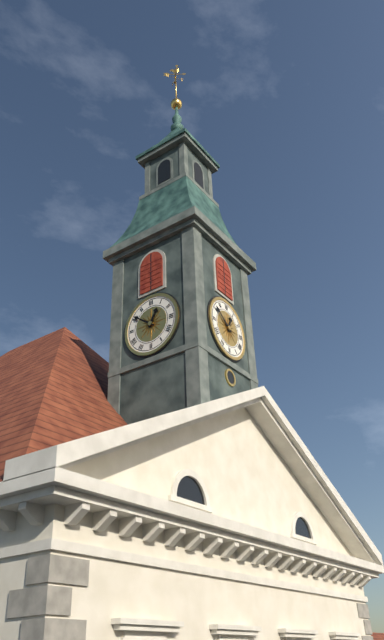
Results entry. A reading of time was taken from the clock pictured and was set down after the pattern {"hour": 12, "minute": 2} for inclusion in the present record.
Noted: {"hour": 12, "minute": 51}
